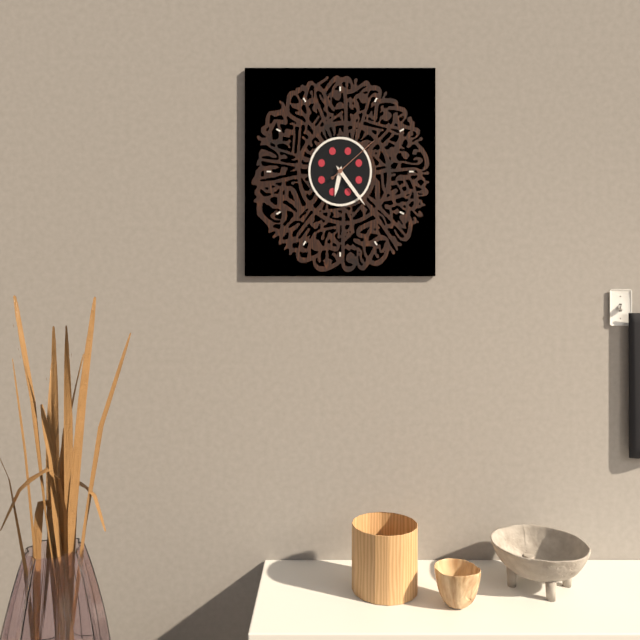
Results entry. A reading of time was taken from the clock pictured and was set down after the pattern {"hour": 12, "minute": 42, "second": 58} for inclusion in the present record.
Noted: {"hour": 6, "minute": 24, "second": 8}
